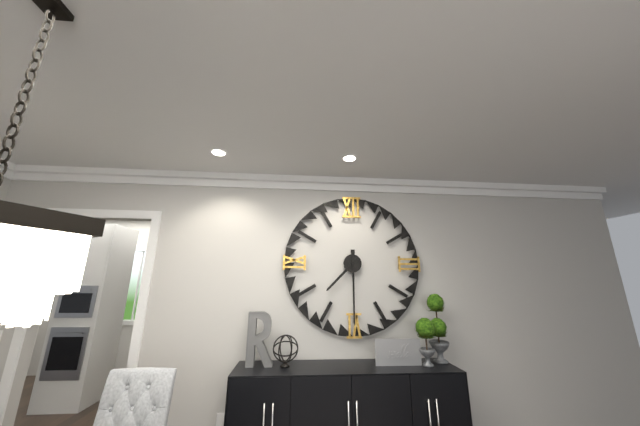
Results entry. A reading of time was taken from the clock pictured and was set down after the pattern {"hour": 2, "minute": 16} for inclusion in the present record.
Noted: {"hour": 7, "minute": 30}
